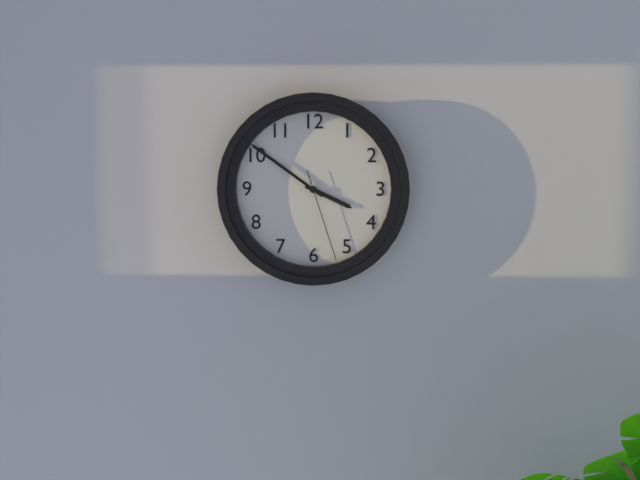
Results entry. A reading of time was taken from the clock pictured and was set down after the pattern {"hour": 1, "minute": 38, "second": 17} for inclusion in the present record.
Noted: {"hour": 3, "minute": 51, "second": 27}
